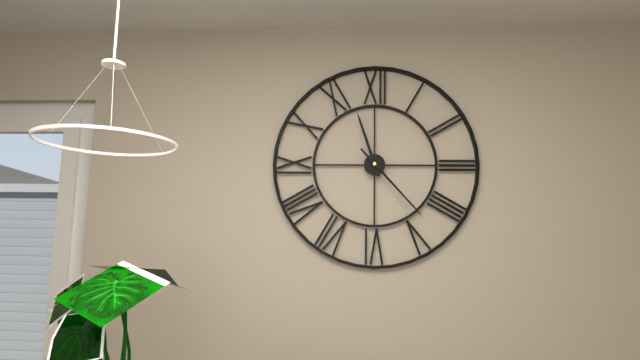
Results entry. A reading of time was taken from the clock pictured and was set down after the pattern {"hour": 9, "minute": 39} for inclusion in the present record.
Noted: {"hour": 11, "minute": 23}
